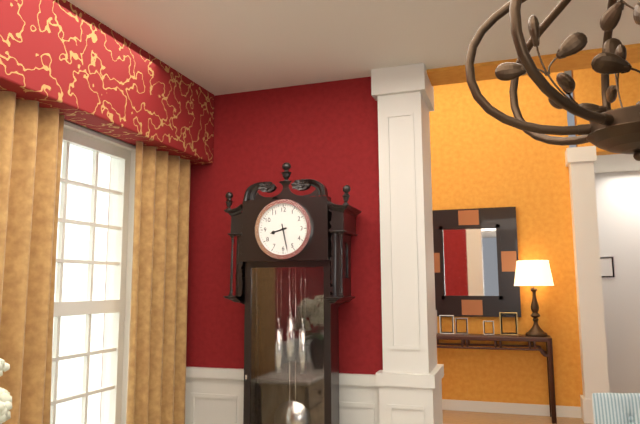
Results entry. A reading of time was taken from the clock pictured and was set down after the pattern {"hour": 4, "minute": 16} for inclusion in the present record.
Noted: {"hour": 8, "minute": 28}
